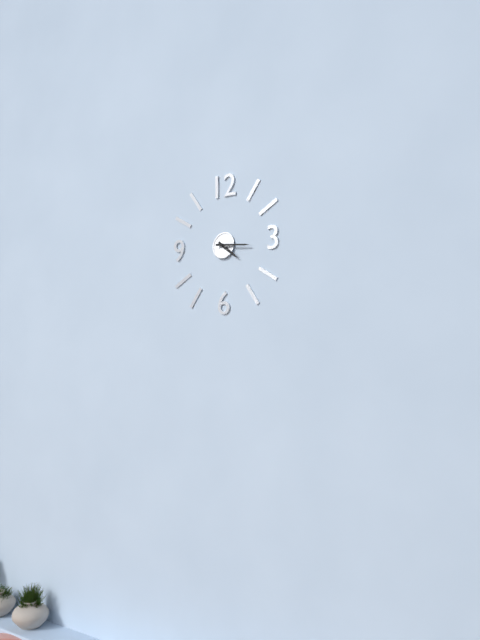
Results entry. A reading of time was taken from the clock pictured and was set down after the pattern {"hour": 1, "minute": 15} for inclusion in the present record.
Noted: {"hour": 4, "minute": 16}
